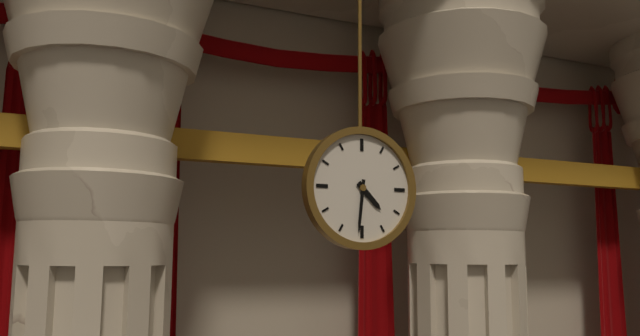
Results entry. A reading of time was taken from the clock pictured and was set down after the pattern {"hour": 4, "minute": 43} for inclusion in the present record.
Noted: {"hour": 4, "minute": 31}
